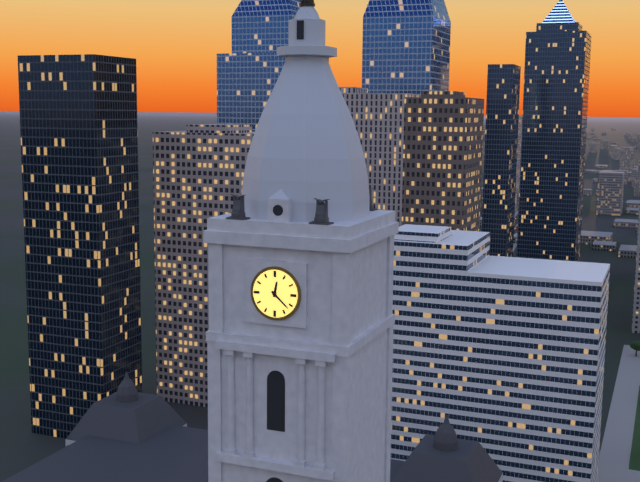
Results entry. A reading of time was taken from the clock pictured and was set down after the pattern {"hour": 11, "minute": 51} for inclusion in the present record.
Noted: {"hour": 12, "minute": 22}
